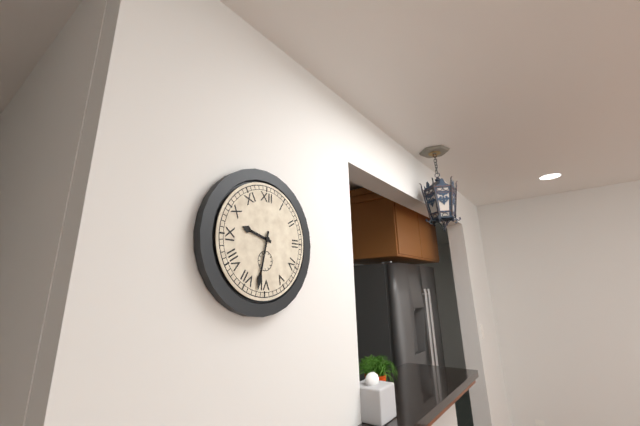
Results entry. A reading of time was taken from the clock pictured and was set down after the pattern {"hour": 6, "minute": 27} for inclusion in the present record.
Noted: {"hour": 9, "minute": 32}
